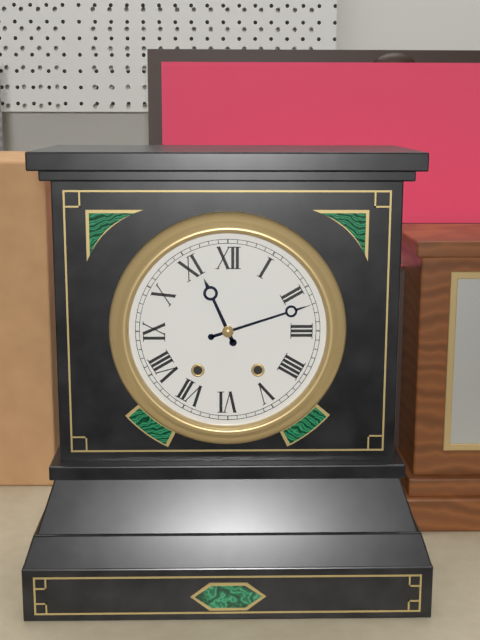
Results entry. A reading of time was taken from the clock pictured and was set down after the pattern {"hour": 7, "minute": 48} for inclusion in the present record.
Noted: {"hour": 11, "minute": 12}
